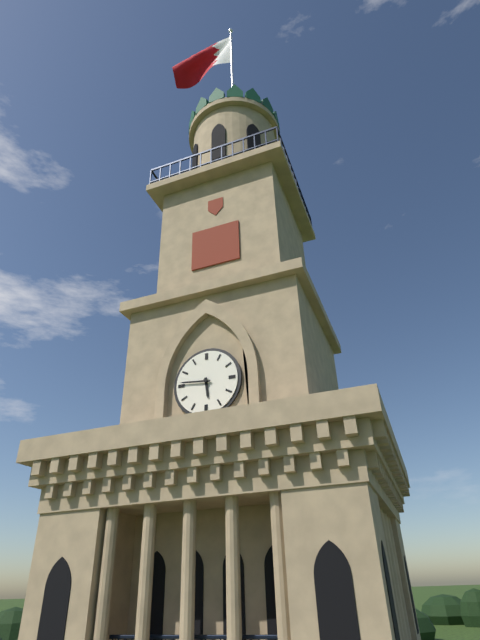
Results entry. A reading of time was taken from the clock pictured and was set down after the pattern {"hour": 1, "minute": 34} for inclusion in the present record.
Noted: {"hour": 5, "minute": 46}
